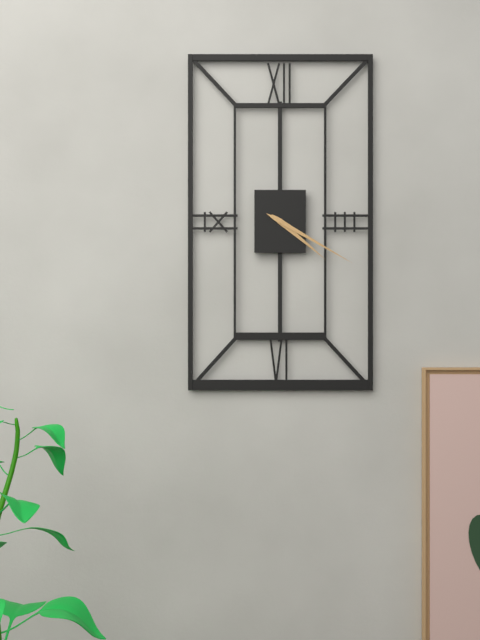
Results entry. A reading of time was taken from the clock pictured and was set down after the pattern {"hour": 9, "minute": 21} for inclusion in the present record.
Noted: {"hour": 4, "minute": 20}
